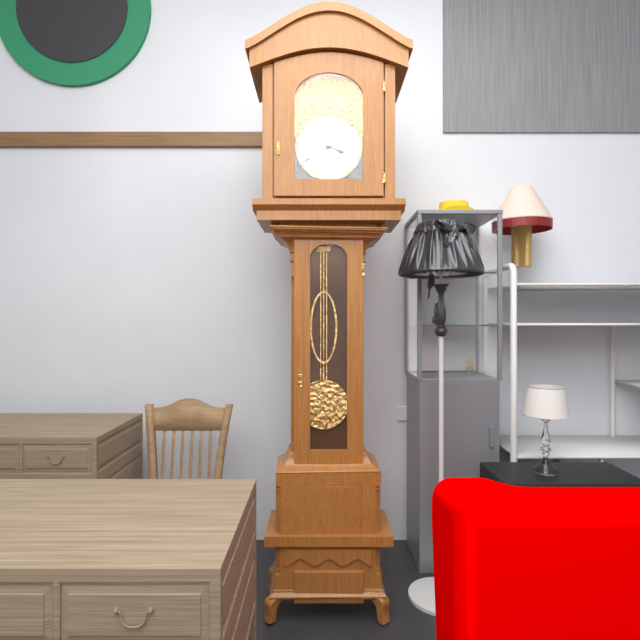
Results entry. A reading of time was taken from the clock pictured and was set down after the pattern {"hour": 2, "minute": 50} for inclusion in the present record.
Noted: {"hour": 3, "minute": 40}
